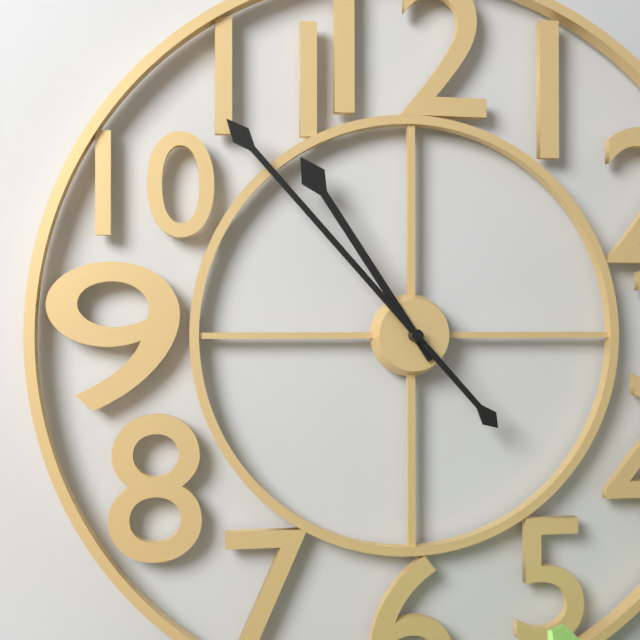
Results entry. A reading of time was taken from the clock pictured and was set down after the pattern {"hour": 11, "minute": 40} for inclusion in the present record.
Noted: {"hour": 10, "minute": 53}
